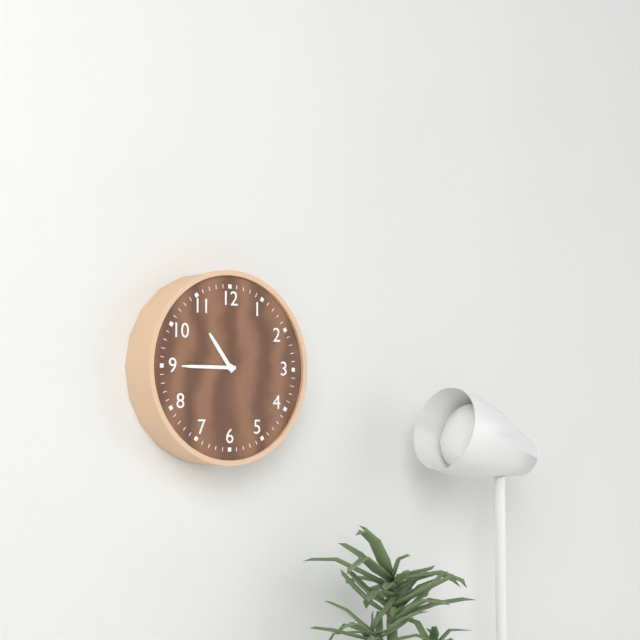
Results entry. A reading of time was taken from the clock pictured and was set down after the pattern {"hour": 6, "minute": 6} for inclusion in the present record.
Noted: {"hour": 10, "minute": 45}
